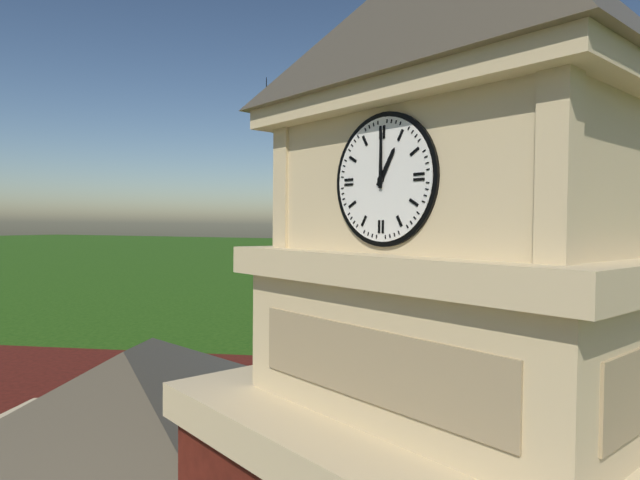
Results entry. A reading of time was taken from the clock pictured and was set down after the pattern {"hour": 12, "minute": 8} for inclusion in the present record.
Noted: {"hour": 1, "minute": 0}
